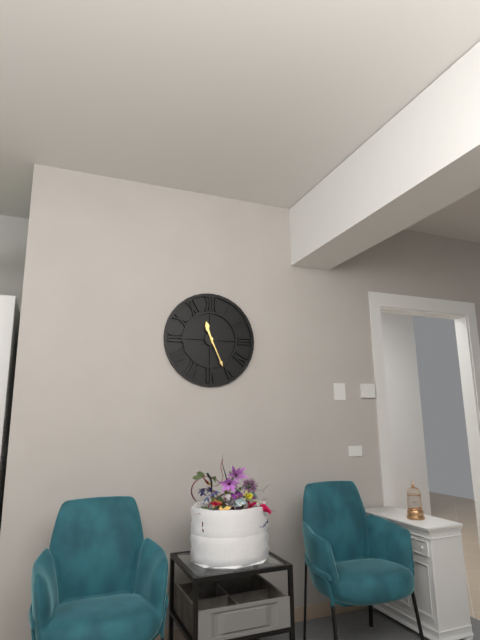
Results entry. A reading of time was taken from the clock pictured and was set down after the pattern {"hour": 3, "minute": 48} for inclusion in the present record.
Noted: {"hour": 11, "minute": 26}
